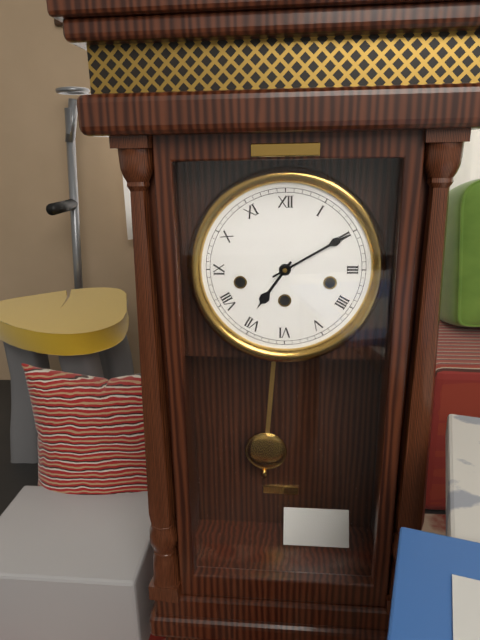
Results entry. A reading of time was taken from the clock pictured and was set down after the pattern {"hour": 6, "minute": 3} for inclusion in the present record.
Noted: {"hour": 7, "minute": 10}
